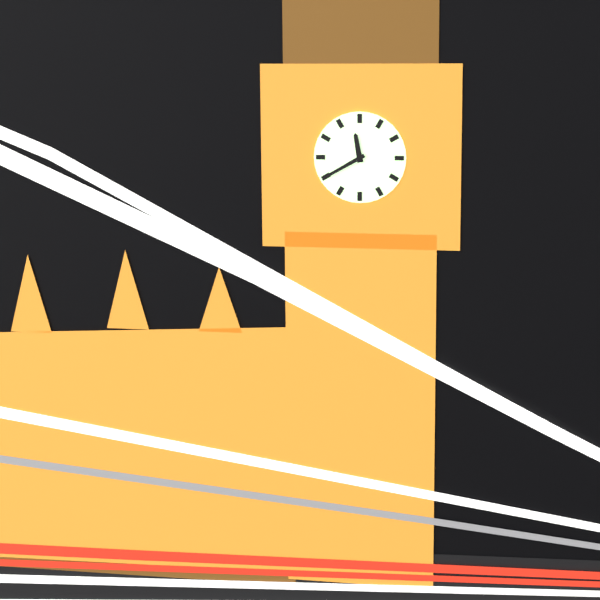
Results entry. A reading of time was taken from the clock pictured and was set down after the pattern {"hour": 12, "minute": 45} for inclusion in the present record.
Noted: {"hour": 11, "minute": 40}
